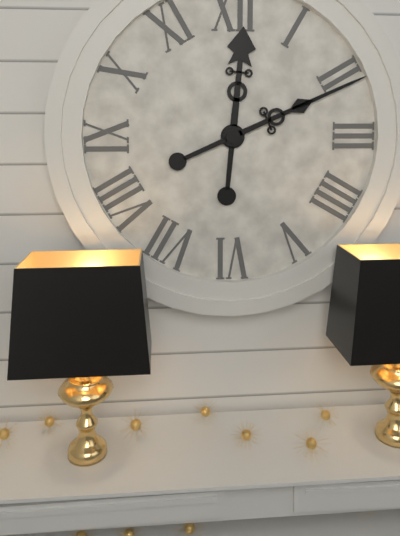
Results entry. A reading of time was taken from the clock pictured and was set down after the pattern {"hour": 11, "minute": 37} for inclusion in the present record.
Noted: {"hour": 12, "minute": 11}
